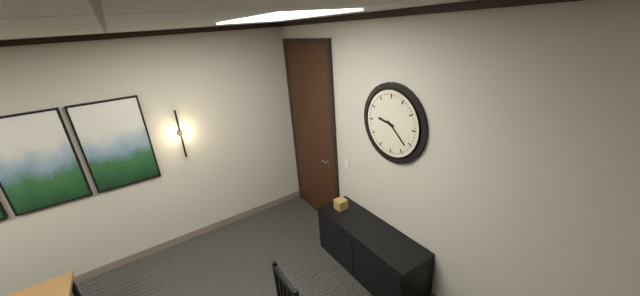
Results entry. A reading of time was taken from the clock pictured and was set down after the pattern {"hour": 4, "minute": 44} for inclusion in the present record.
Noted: {"hour": 9, "minute": 22}
